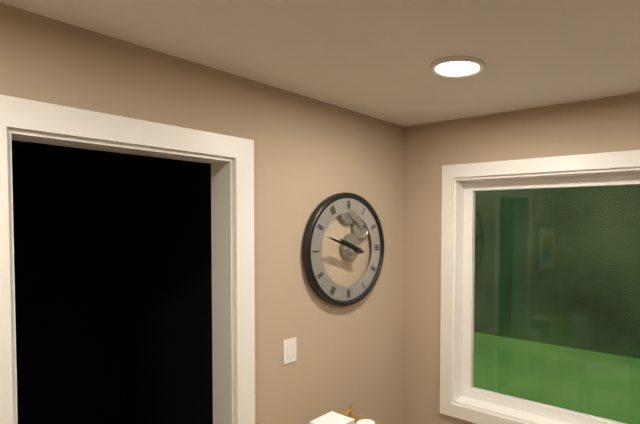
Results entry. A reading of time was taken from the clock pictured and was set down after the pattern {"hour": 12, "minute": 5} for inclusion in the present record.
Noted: {"hour": 9, "minute": 48}
